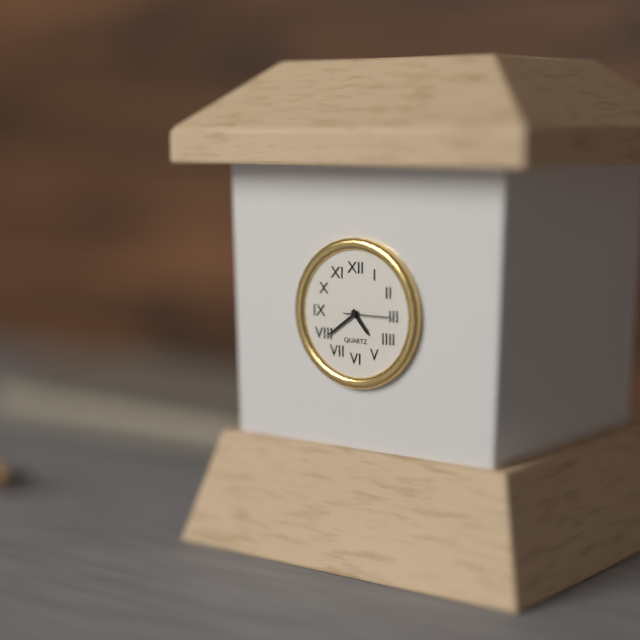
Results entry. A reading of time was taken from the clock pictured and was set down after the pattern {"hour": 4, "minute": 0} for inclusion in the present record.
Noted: {"hour": 4, "minute": 39}
